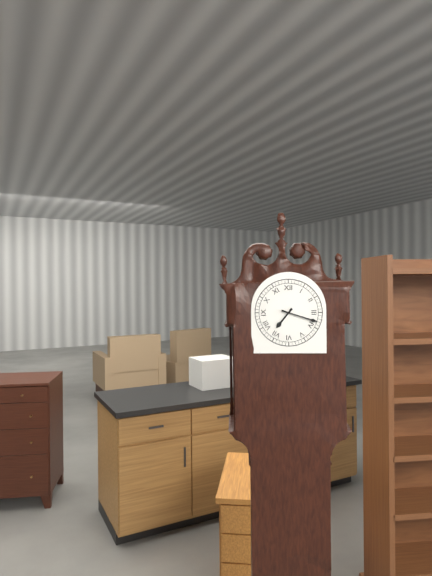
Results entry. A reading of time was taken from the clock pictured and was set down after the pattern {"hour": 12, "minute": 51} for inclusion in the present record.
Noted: {"hour": 7, "minute": 18}
